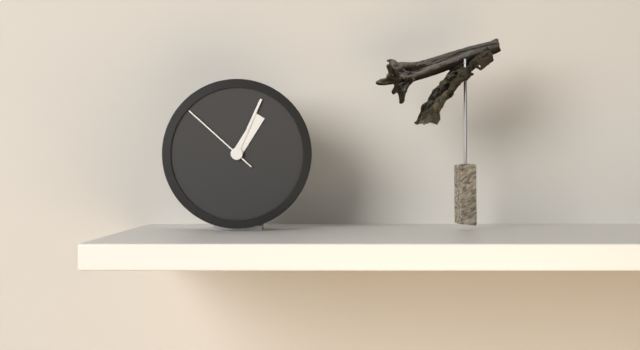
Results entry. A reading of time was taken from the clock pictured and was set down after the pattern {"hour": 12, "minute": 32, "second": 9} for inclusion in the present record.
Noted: {"hour": 1, "minute": 4, "second": 52}
